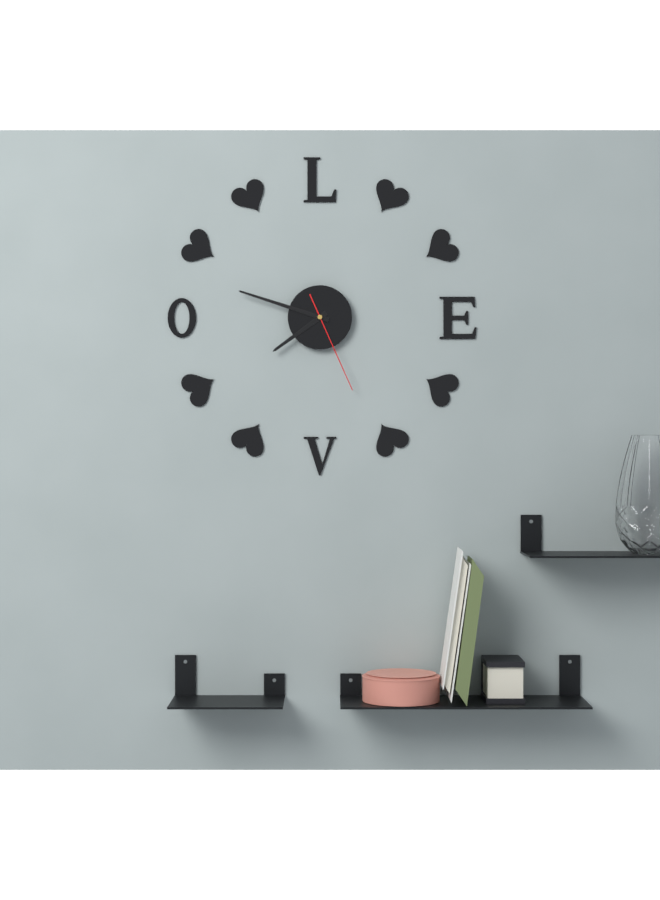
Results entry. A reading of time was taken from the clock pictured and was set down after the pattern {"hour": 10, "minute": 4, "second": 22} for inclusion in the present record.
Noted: {"hour": 7, "minute": 48, "second": 26}
